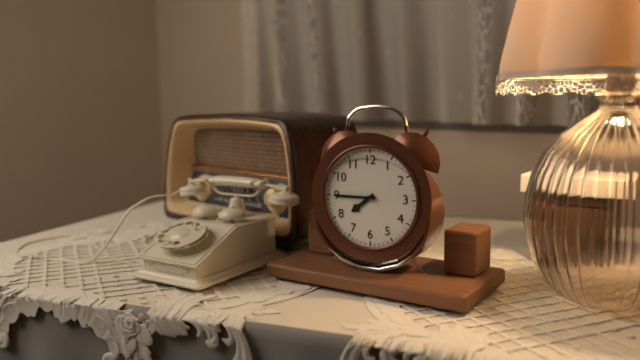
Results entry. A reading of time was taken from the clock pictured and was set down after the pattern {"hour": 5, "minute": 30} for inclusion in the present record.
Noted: {"hour": 7, "minute": 45}
